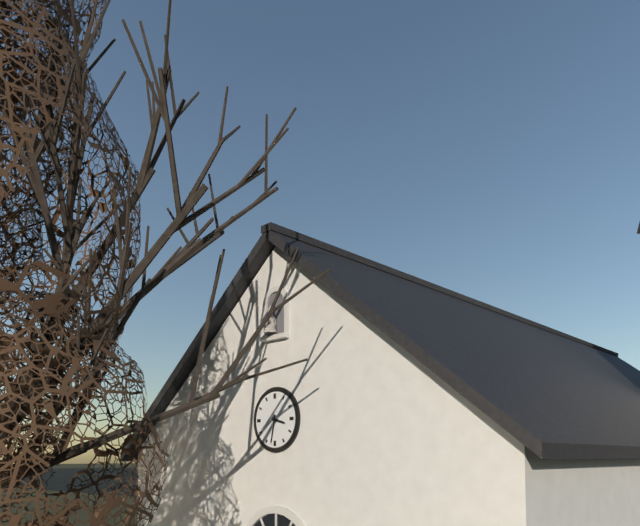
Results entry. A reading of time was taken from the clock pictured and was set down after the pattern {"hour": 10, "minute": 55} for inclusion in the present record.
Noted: {"hour": 3, "minute": 32}
